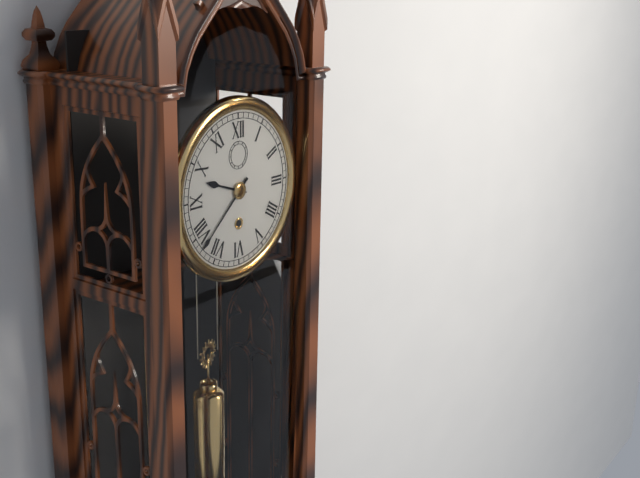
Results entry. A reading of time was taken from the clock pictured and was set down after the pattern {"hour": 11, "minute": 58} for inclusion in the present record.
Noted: {"hour": 9, "minute": 38}
